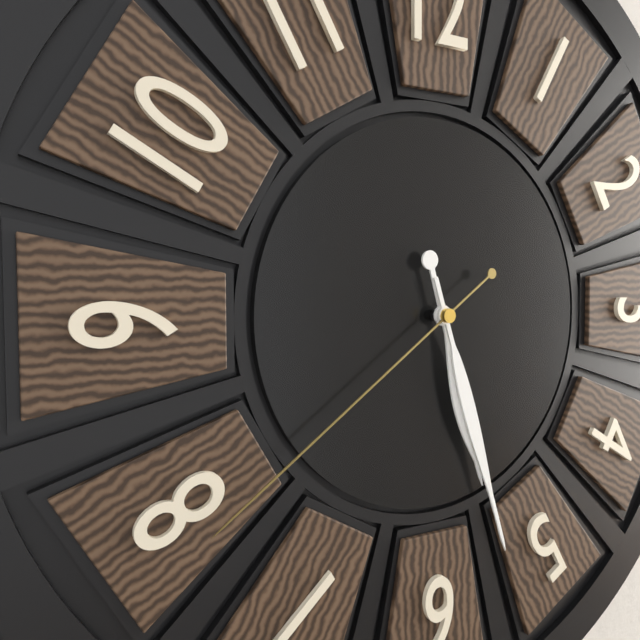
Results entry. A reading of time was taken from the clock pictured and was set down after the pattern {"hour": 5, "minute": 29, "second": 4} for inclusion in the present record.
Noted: {"hour": 5, "minute": 27, "second": 39}
